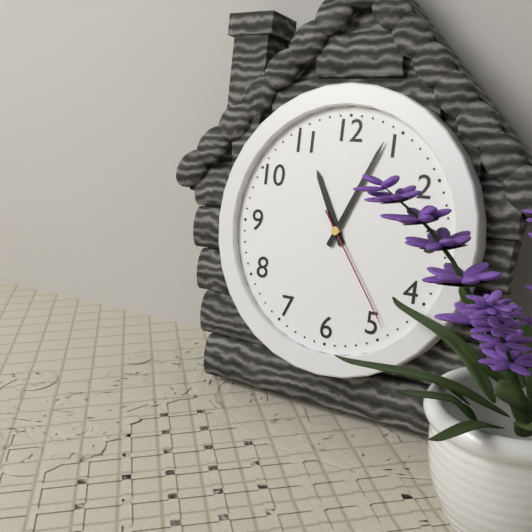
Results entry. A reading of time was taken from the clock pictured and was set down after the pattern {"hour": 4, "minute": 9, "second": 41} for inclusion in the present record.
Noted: {"hour": 11, "minute": 4, "second": 24}
